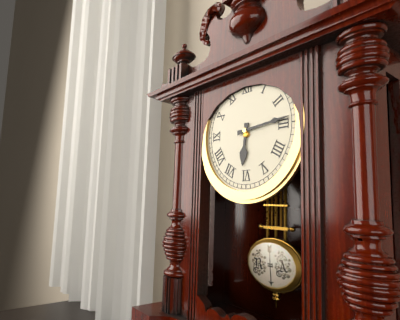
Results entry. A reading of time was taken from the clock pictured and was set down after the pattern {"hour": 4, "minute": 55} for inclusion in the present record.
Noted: {"hour": 6, "minute": 14}
